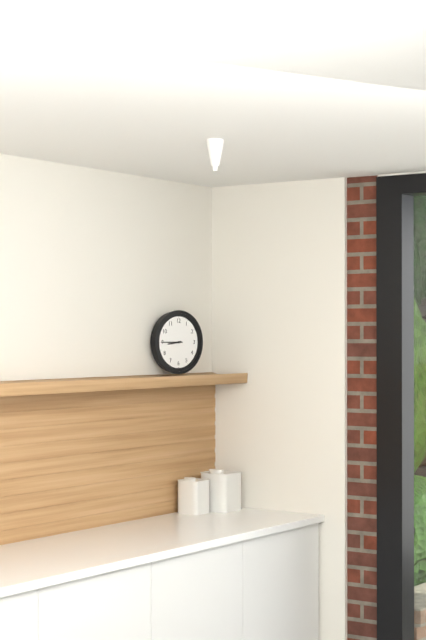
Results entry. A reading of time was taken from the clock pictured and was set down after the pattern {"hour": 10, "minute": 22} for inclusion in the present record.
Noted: {"hour": 8, "minute": 45}
